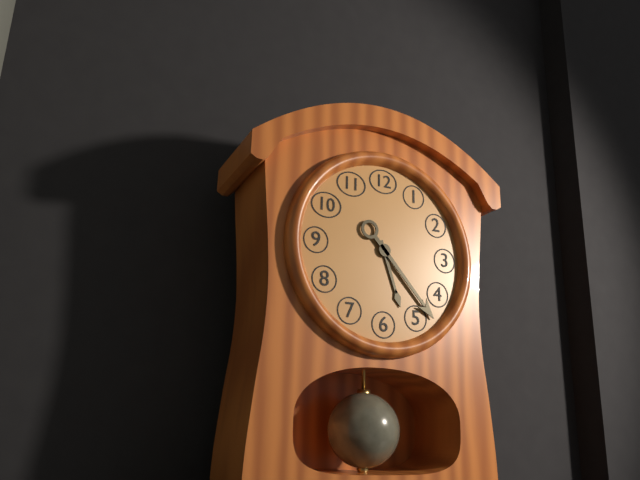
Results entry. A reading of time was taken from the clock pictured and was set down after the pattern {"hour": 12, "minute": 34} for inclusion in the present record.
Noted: {"hour": 5, "minute": 23}
